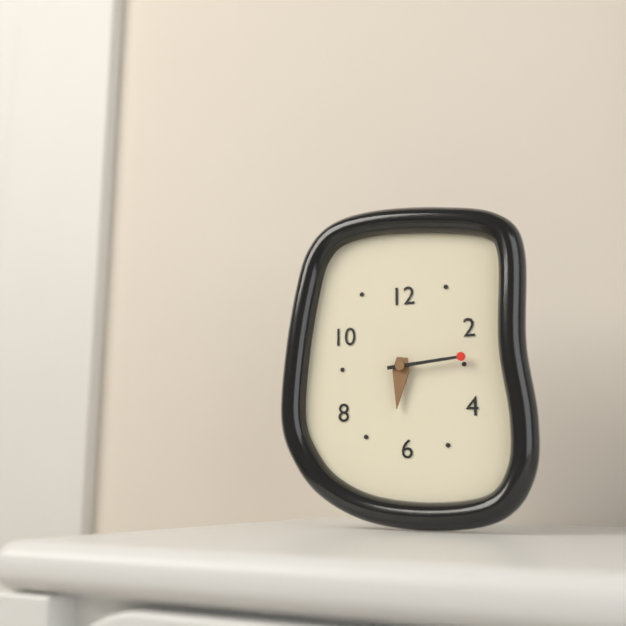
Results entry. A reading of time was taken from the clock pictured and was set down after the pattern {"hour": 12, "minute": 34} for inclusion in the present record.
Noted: {"hour": 6, "minute": 14}
